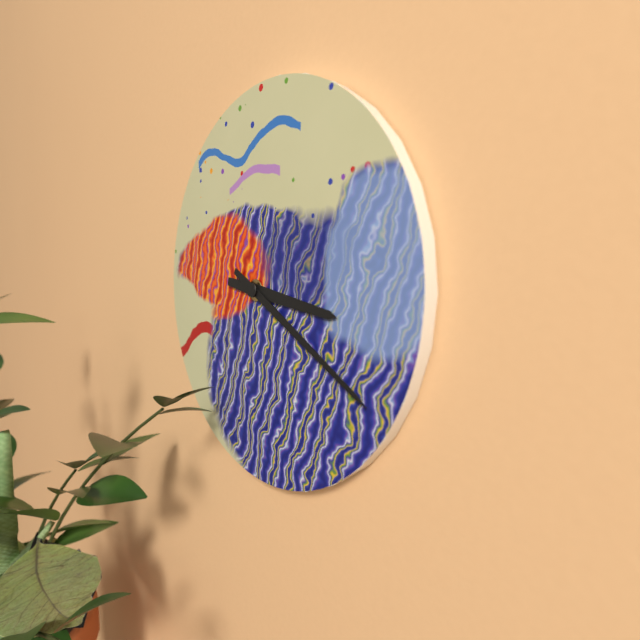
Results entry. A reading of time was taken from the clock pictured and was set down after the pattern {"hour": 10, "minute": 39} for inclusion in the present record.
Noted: {"hour": 3, "minute": 20}
